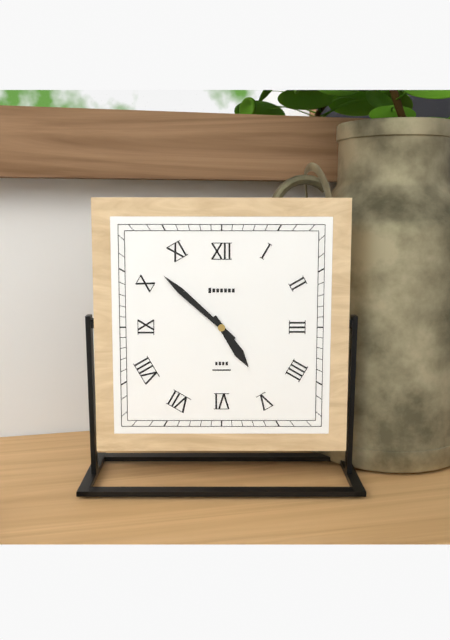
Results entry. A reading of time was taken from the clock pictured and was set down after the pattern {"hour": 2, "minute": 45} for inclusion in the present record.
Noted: {"hour": 4, "minute": 52}
